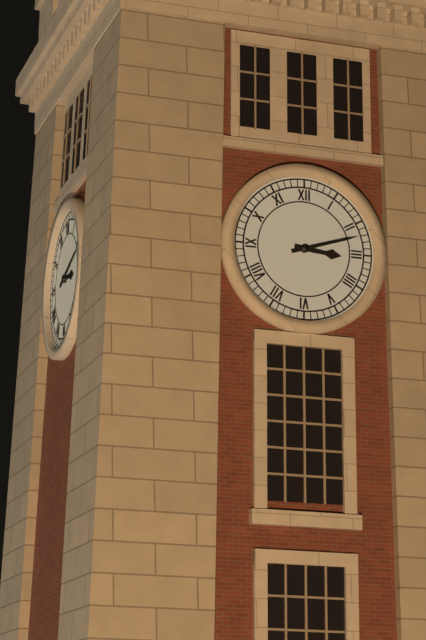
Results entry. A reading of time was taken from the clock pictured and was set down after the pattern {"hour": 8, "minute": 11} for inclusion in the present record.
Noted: {"hour": 3, "minute": 12}
